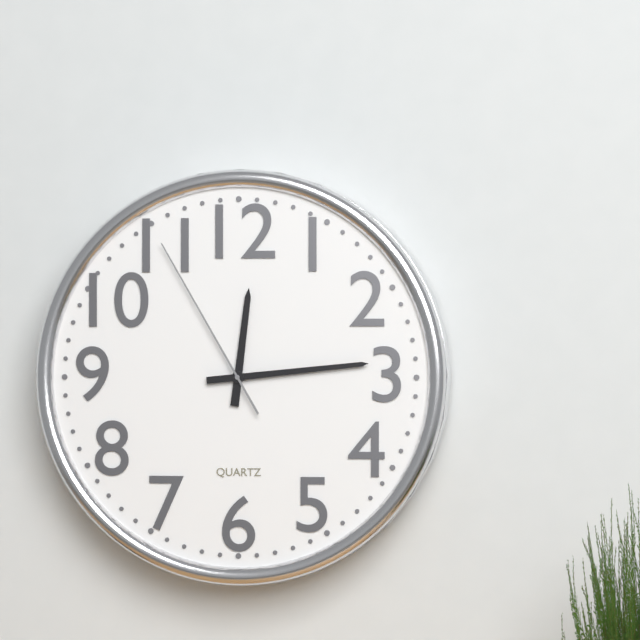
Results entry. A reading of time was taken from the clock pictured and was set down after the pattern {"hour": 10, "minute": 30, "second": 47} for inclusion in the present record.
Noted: {"hour": 12, "minute": 14, "second": 55}
